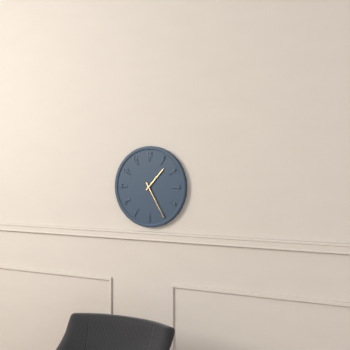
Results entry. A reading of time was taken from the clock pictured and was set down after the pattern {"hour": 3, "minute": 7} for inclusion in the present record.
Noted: {"hour": 1, "minute": 25}
